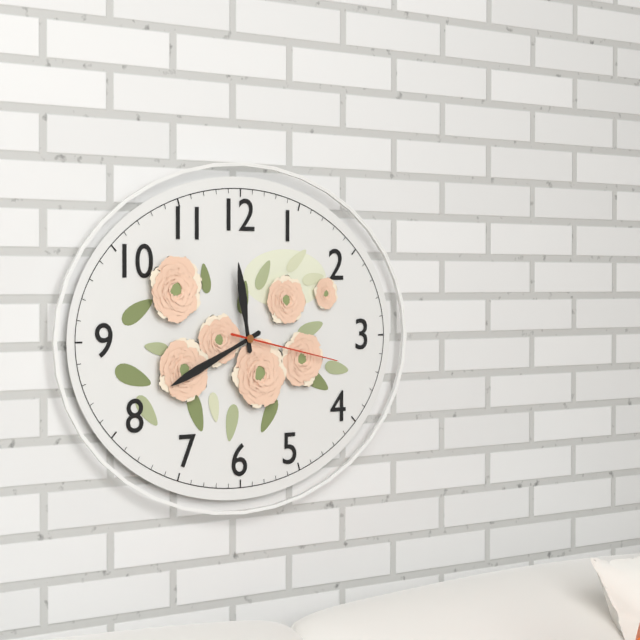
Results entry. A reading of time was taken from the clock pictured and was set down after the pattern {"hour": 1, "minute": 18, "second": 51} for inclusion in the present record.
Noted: {"hour": 11, "minute": 41, "second": 17}
